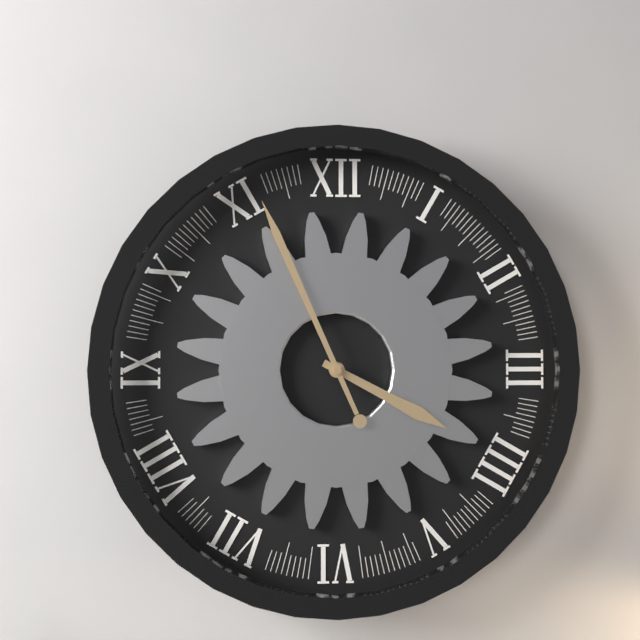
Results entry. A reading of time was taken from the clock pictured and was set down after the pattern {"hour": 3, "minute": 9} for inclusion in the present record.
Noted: {"hour": 3, "minute": 56}
